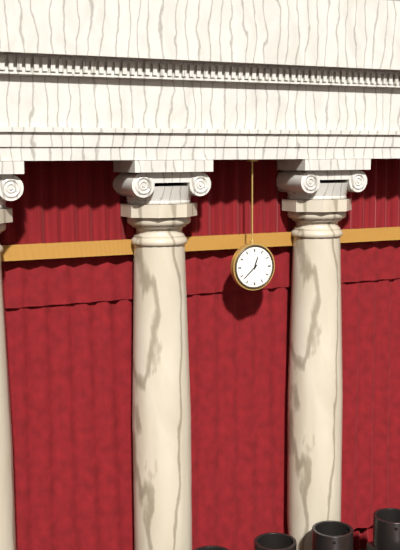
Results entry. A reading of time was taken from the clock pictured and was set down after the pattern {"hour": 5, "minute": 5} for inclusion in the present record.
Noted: {"hour": 12, "minute": 38}
